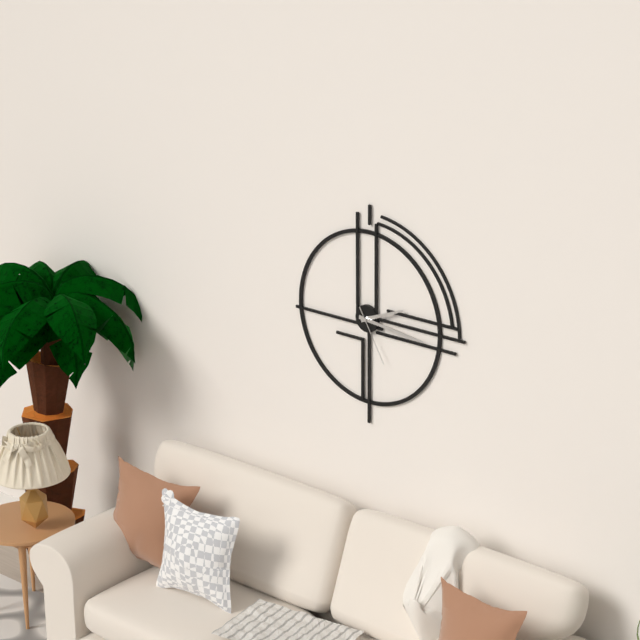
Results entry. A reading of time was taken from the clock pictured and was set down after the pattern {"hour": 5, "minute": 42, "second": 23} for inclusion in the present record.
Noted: {"hour": 2, "minute": 16, "second": 25}
